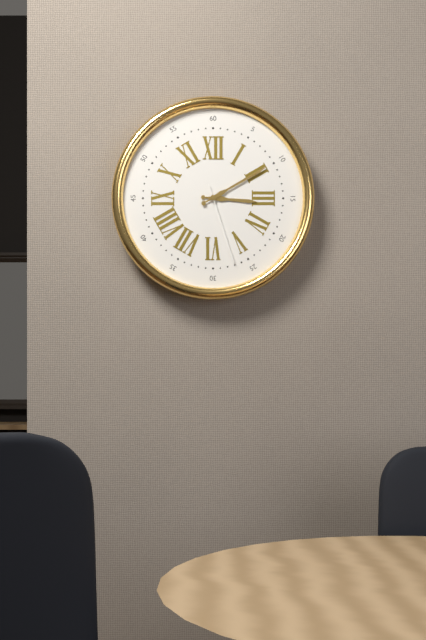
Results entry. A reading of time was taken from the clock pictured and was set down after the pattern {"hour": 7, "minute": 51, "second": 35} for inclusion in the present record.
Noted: {"hour": 3, "minute": 10, "second": 27}
